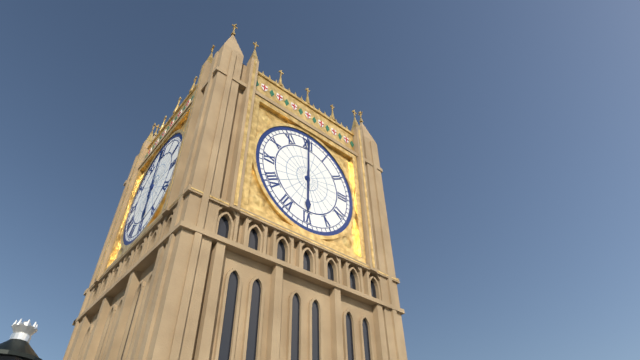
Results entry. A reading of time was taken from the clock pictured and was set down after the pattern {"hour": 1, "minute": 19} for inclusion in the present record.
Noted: {"hour": 6, "minute": 0}
